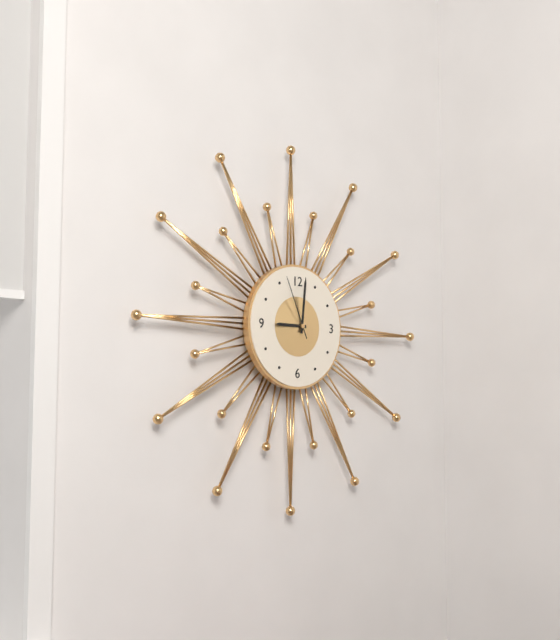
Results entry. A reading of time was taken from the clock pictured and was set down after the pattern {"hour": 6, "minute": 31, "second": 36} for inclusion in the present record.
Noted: {"hour": 9, "minute": 1, "second": 56}
